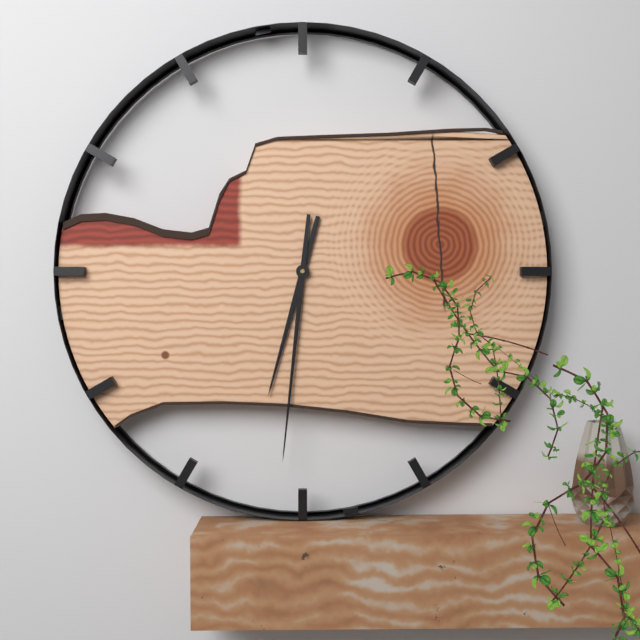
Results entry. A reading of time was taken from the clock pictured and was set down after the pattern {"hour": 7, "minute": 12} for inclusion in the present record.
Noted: {"hour": 6, "minute": 31}
